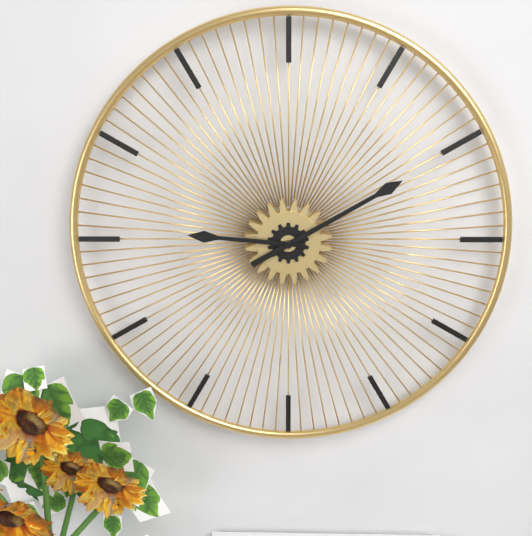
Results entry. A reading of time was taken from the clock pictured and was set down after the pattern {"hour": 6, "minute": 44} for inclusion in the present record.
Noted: {"hour": 9, "minute": 10}
